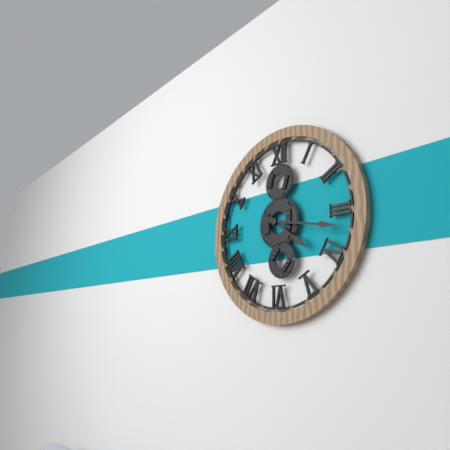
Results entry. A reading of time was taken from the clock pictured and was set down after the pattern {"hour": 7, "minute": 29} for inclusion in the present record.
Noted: {"hour": 4, "minute": 17}
